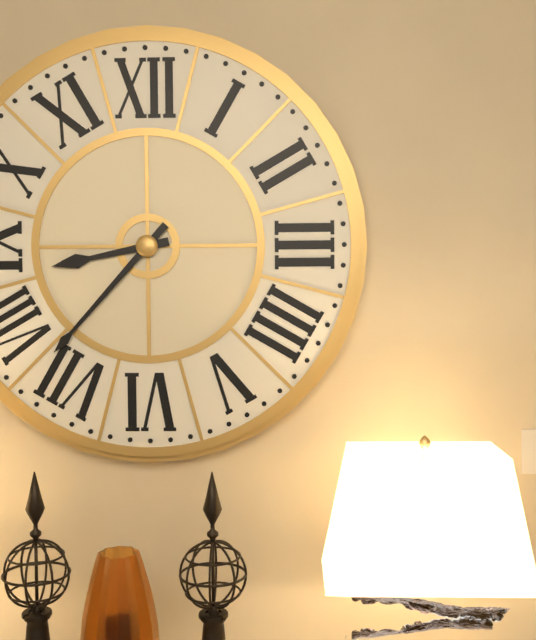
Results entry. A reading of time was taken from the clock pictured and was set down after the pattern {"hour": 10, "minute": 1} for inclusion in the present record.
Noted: {"hour": 8, "minute": 37}
